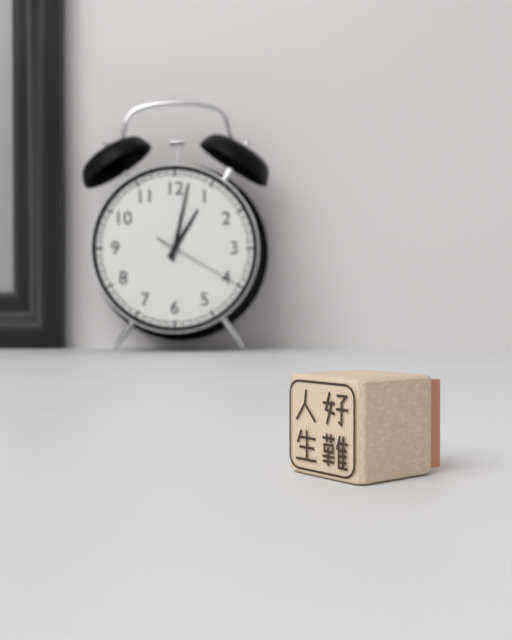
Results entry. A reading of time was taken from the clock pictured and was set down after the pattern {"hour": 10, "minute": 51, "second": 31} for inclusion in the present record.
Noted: {"hour": 1, "minute": 2, "second": 20}
